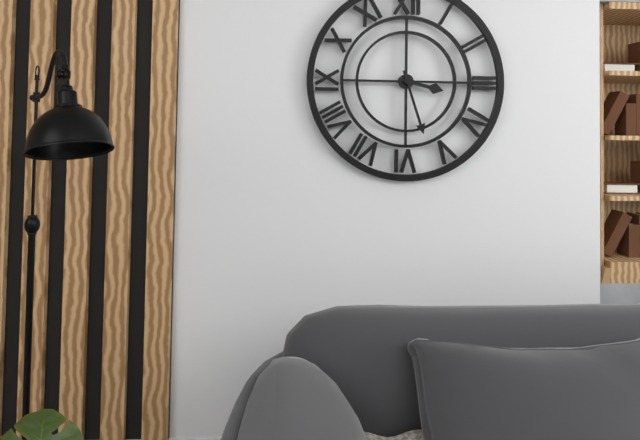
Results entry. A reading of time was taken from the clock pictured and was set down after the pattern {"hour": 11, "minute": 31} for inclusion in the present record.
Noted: {"hour": 3, "minute": 27}
